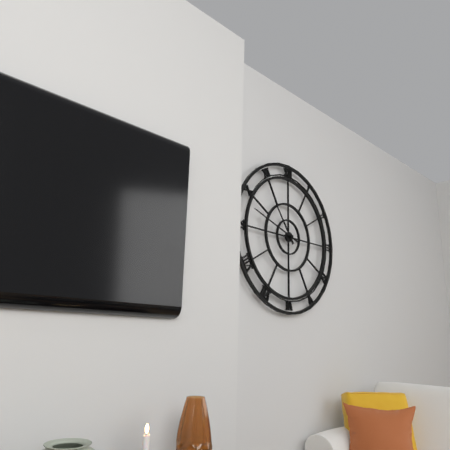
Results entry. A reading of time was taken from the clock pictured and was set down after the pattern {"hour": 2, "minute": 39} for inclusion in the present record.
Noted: {"hour": 10, "minute": 48}
